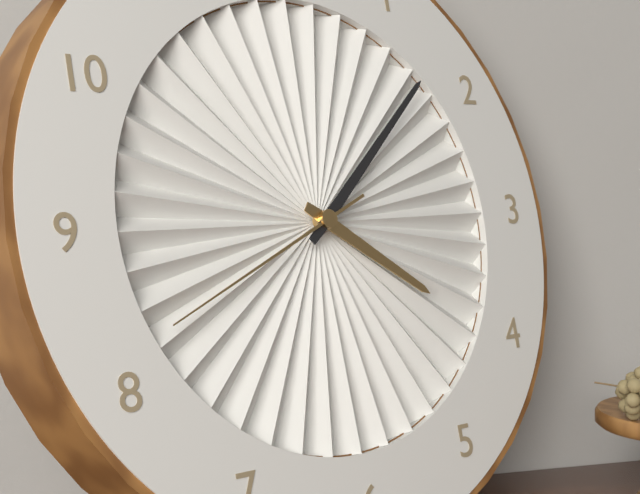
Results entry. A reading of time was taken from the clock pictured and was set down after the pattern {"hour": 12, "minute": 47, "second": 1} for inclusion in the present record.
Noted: {"hour": 4, "minute": 8, "second": 41}
